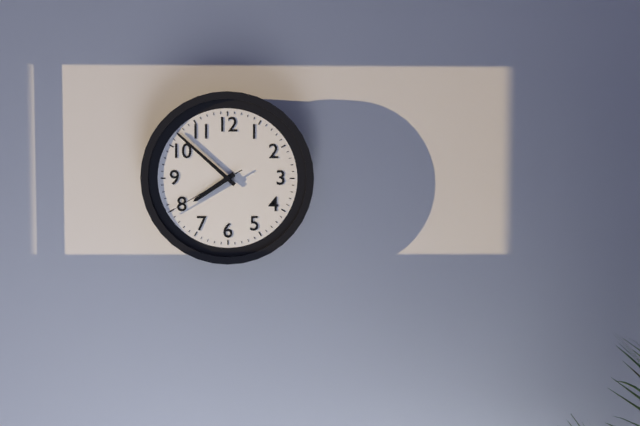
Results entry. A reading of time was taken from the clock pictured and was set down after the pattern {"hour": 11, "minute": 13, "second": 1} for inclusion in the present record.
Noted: {"hour": 7, "minute": 52, "second": 40}
